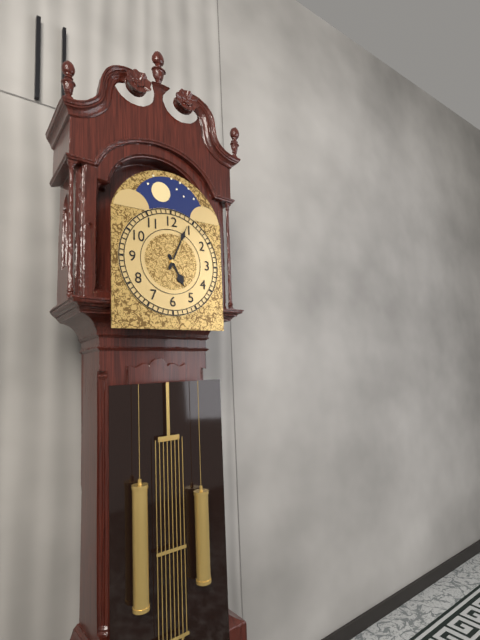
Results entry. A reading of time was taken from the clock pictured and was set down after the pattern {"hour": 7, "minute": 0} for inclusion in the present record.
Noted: {"hour": 5, "minute": 4}
